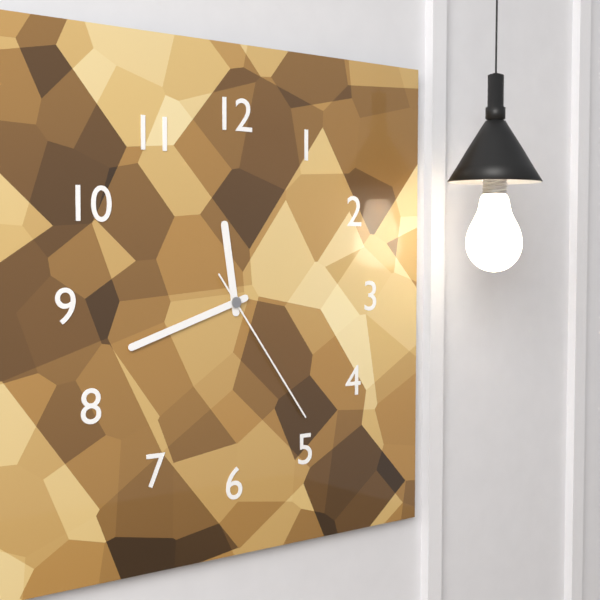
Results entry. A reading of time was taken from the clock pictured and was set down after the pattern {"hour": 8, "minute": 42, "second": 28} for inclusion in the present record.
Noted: {"hour": 11, "minute": 42, "second": 24}
